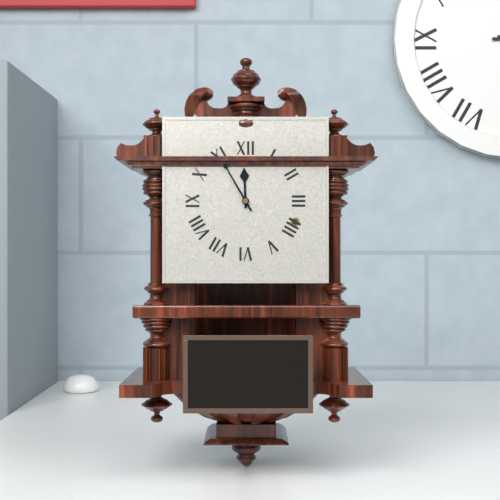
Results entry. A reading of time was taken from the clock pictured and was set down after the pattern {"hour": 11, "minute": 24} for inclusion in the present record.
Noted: {"hour": 11, "minute": 55}
